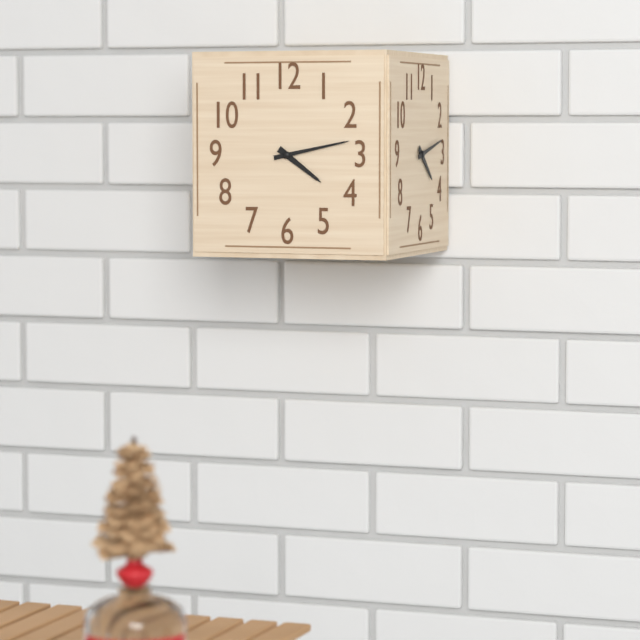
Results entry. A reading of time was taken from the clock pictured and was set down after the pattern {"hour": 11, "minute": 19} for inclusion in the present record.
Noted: {"hour": 4, "minute": 13}
